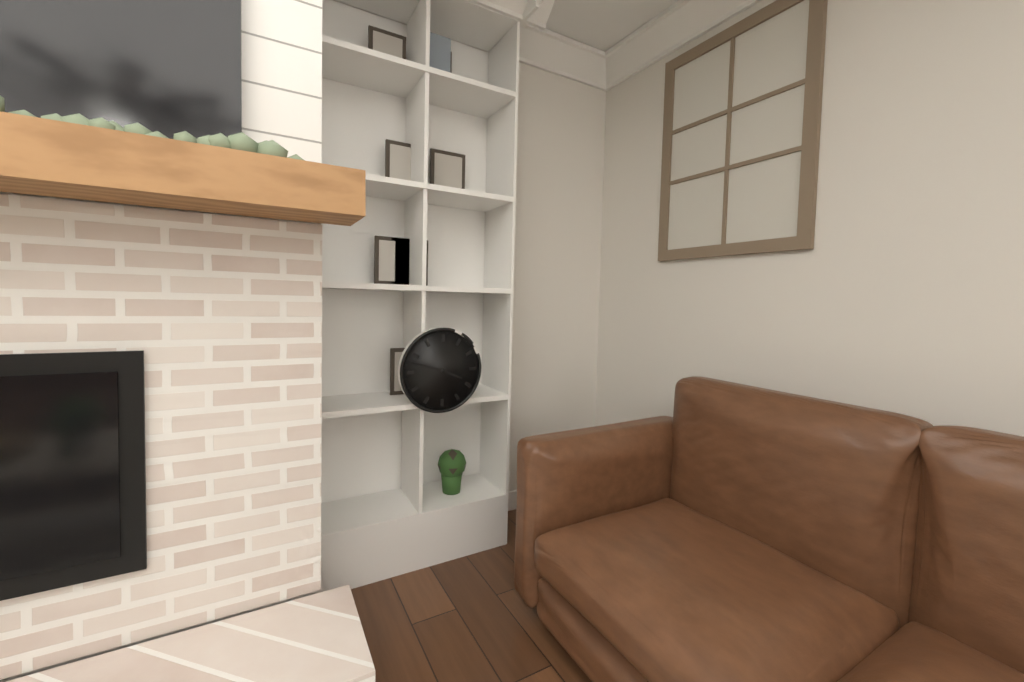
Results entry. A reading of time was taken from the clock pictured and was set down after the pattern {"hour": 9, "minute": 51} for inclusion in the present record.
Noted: {"hour": 3, "minute": 48}
